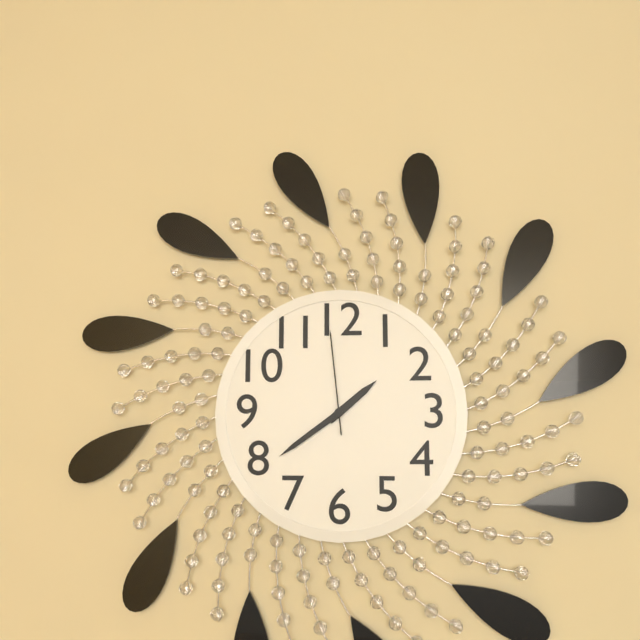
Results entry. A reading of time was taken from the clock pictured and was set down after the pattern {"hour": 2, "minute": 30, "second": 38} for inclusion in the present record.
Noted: {"hour": 1, "minute": 39, "second": 59}
